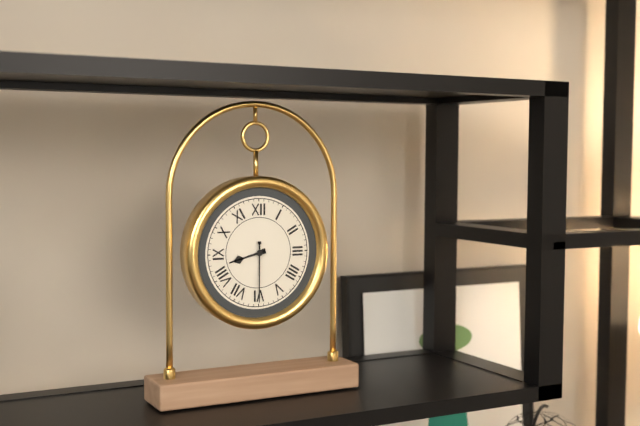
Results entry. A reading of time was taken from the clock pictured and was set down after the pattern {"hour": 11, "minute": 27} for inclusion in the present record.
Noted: {"hour": 8, "minute": 30}
